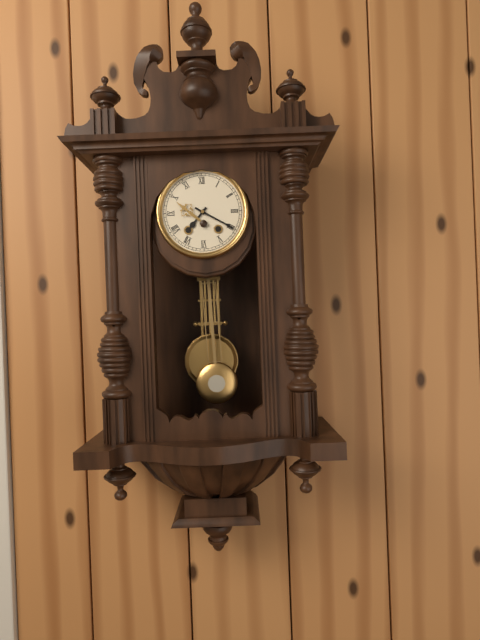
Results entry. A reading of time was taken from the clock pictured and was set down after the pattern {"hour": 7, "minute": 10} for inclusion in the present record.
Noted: {"hour": 7, "minute": 20}
